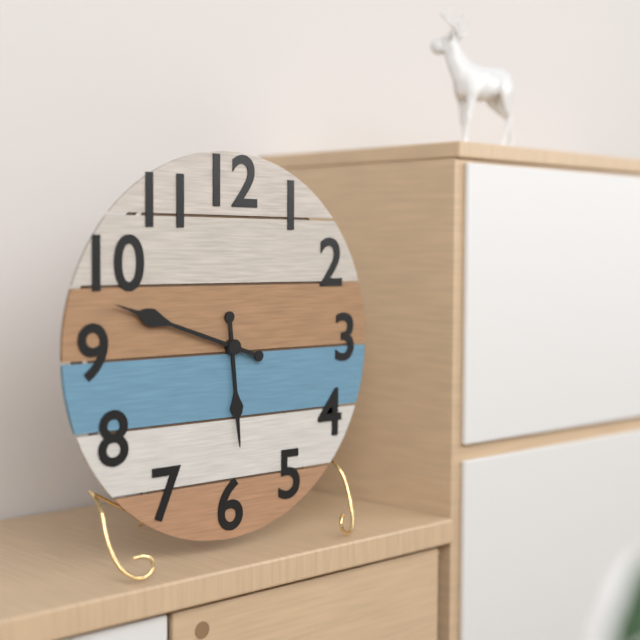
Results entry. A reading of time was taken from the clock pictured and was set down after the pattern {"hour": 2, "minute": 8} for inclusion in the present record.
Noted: {"hour": 5, "minute": 48}
